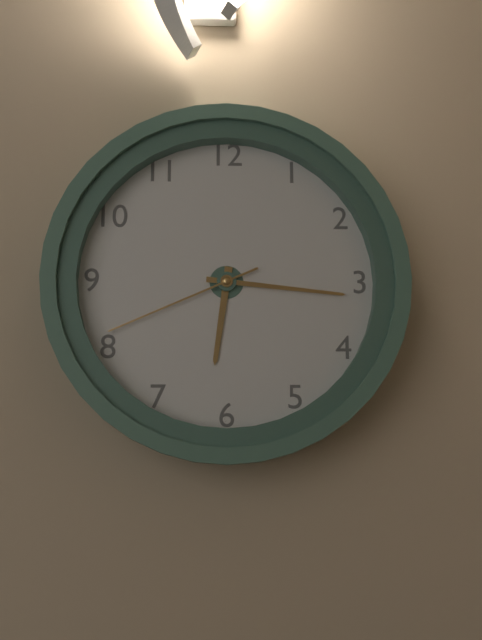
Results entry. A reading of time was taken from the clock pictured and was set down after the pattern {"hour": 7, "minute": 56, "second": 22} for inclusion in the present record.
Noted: {"hour": 6, "minute": 16, "second": 41}
